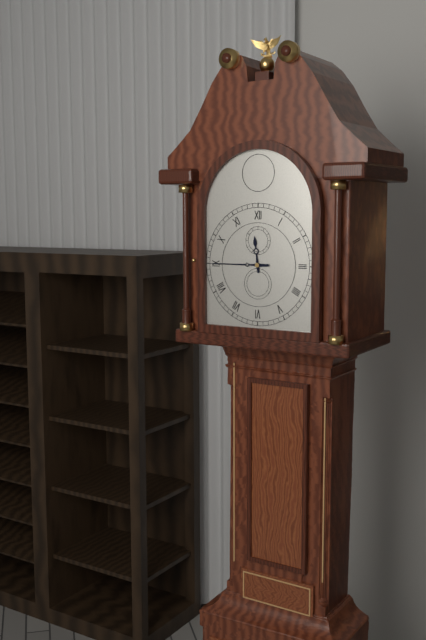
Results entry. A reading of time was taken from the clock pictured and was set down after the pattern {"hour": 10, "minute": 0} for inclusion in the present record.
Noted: {"hour": 11, "minute": 45}
